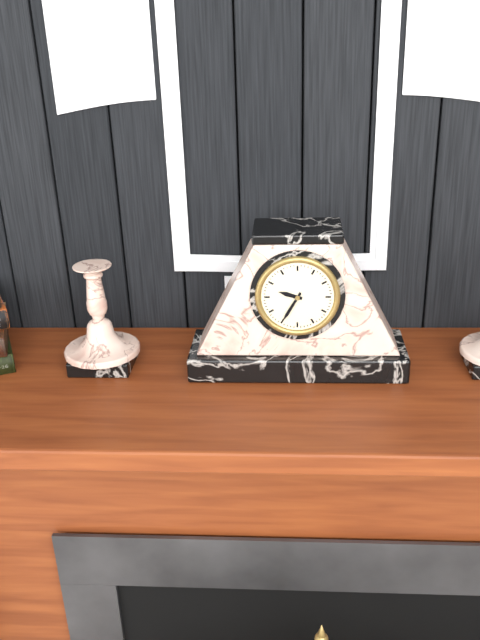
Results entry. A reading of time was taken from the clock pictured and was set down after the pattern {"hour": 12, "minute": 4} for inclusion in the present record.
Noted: {"hour": 9, "minute": 35}
